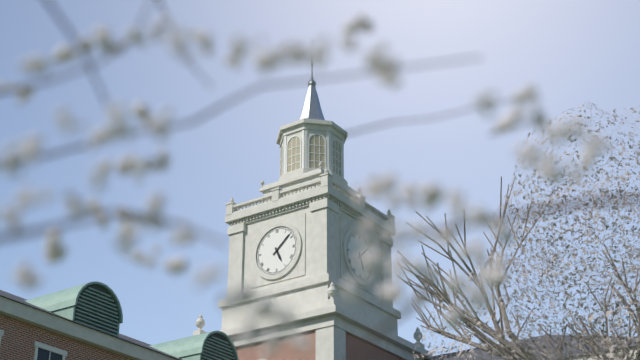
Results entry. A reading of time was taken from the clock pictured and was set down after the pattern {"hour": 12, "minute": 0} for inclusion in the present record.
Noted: {"hour": 5, "minute": 8}
